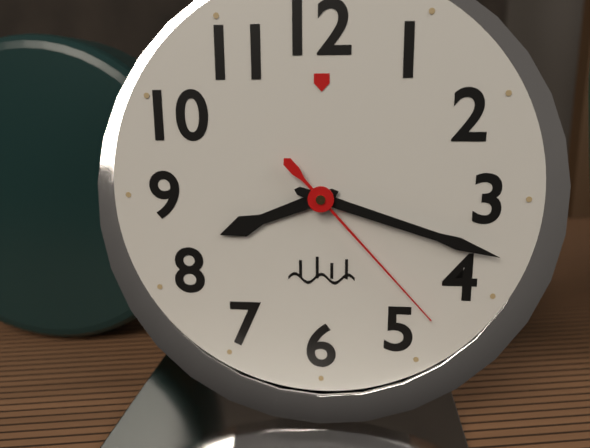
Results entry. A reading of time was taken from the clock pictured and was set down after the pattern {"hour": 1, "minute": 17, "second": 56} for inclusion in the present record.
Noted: {"hour": 8, "minute": 18, "second": 23}
